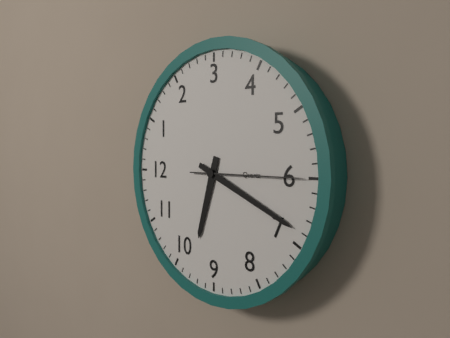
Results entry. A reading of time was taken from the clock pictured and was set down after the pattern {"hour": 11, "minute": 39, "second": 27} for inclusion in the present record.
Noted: {"hour": 9, "minute": 34, "second": 30}
